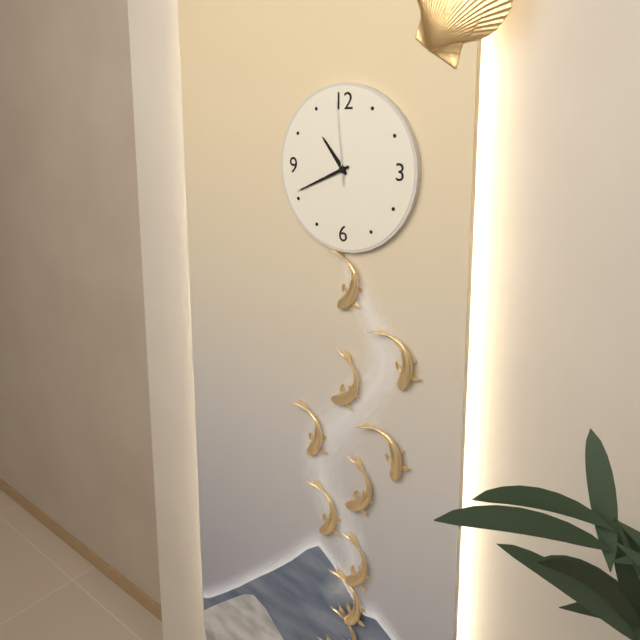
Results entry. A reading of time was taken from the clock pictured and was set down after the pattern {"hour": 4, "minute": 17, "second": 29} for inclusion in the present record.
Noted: {"hour": 10, "minute": 41, "second": 59}
